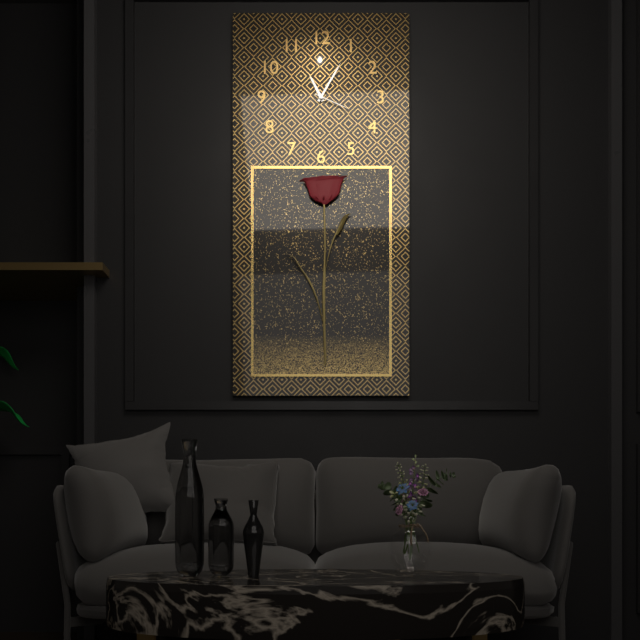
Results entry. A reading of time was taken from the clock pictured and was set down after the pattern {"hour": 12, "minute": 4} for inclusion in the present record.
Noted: {"hour": 11, "minute": 5}
